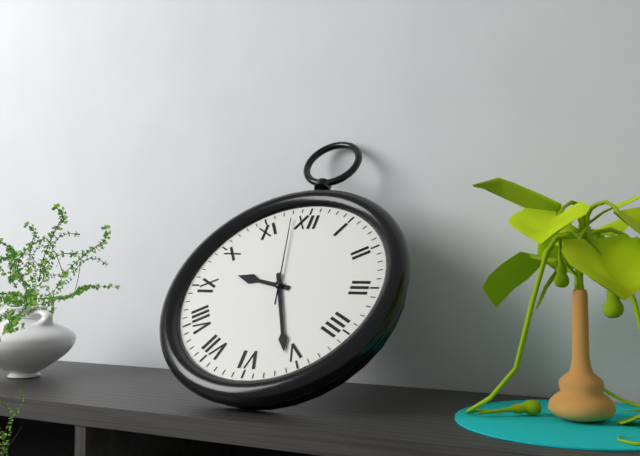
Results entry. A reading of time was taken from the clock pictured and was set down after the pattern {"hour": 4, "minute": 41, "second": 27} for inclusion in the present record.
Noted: {"hour": 9, "minute": 26, "second": 58}
